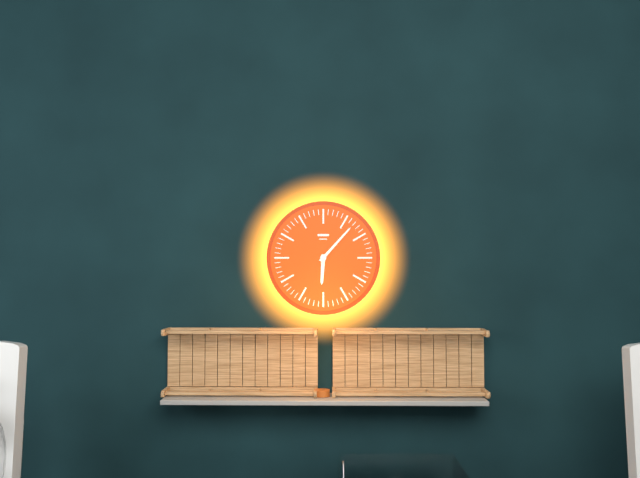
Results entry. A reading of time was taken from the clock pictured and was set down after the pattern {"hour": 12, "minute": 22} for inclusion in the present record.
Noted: {"hour": 6, "minute": 7}
